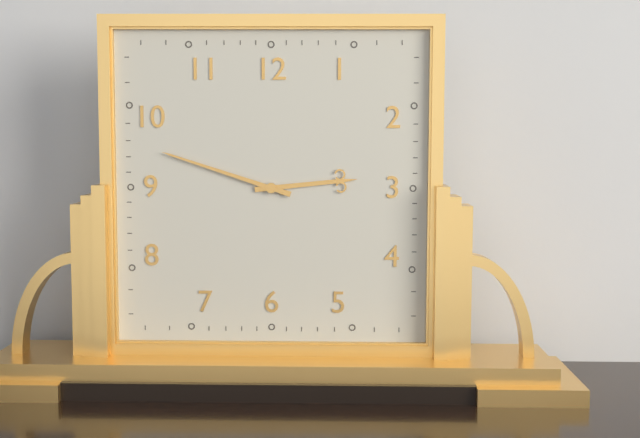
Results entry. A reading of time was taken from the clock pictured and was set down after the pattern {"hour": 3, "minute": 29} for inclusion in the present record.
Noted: {"hour": 2, "minute": 48}
